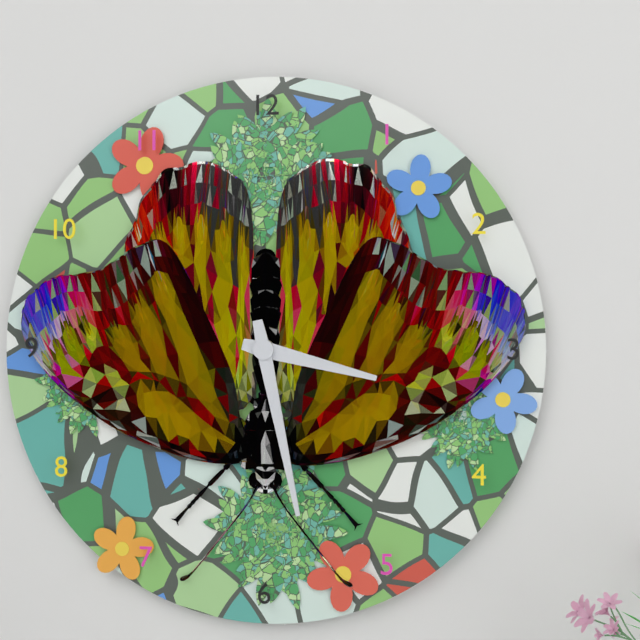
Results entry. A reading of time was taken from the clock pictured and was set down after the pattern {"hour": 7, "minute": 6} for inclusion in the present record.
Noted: {"hour": 3, "minute": 28}
